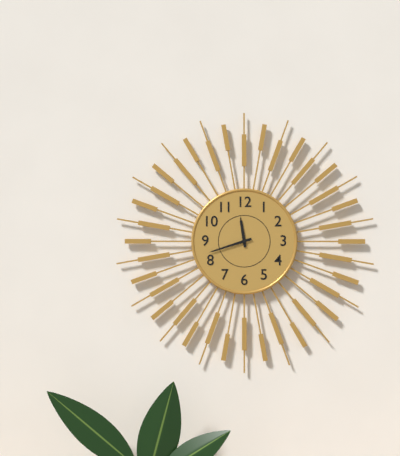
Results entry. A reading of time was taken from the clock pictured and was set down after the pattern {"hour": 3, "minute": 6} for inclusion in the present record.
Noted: {"hour": 11, "minute": 42}
